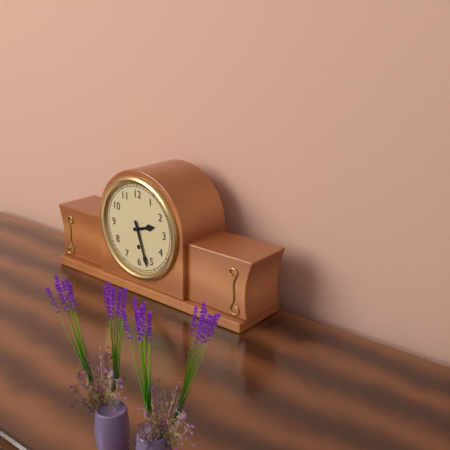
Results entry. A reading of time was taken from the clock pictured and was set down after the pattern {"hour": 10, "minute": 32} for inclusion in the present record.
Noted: {"hour": 2, "minute": 27}
